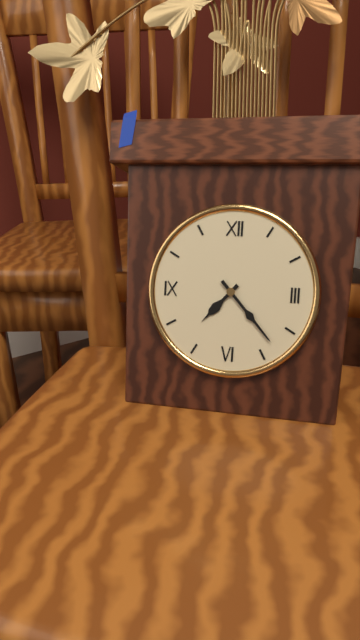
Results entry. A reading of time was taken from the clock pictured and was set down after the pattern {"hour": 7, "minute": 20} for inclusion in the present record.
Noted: {"hour": 7, "minute": 23}
